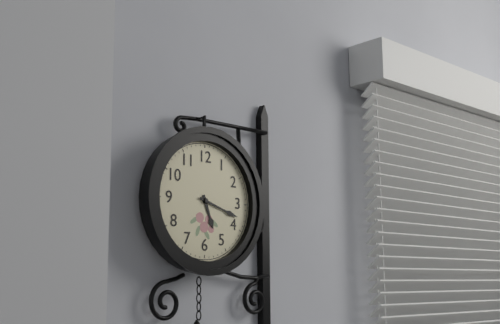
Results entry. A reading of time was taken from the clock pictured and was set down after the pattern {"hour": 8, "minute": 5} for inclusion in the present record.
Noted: {"hour": 5, "minute": 18}
